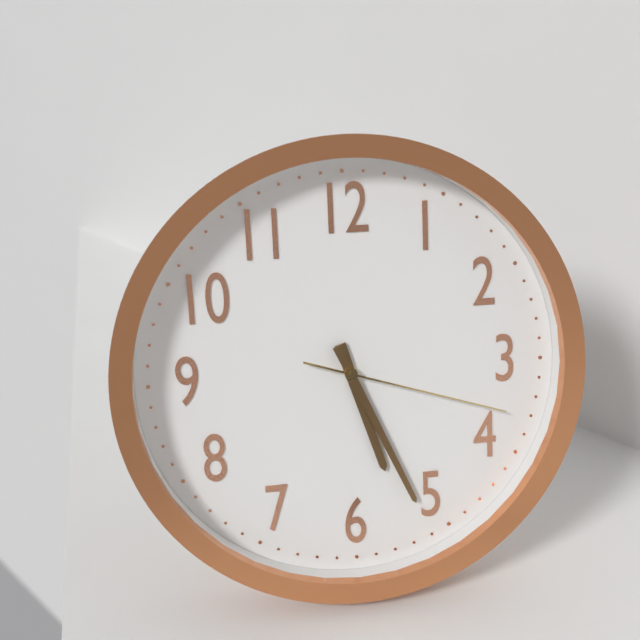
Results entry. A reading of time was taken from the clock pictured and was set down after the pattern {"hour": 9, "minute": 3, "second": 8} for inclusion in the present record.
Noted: {"hour": 5, "minute": 26, "second": 18}
